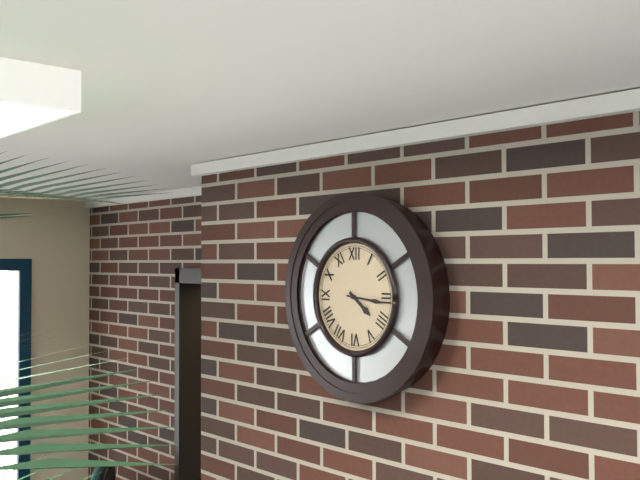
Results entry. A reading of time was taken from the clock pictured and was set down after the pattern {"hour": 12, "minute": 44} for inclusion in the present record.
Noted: {"hour": 4, "minute": 16}
